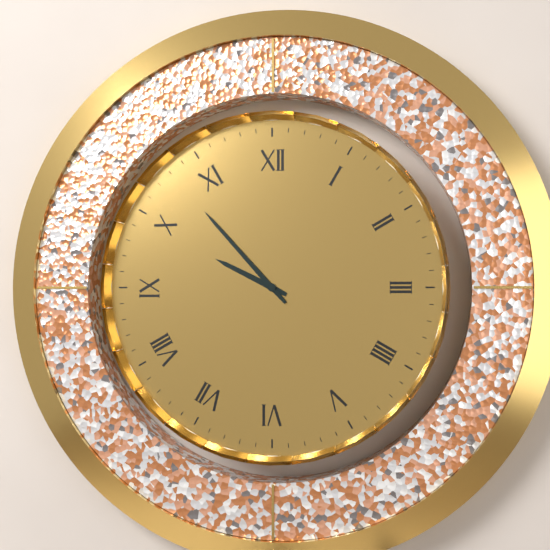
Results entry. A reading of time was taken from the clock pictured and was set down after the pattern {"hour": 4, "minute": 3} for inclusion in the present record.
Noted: {"hour": 9, "minute": 53}
